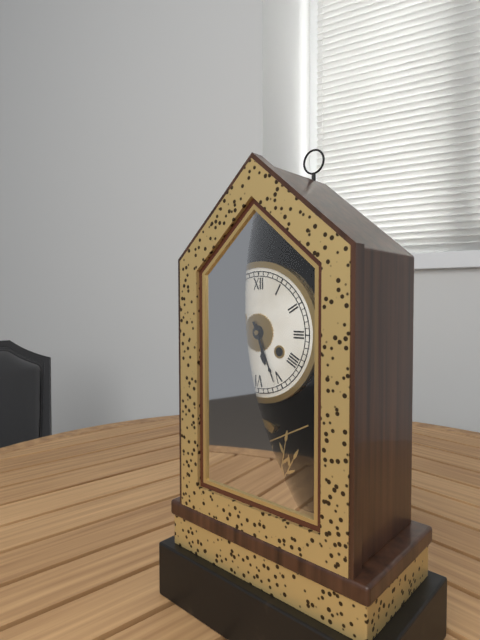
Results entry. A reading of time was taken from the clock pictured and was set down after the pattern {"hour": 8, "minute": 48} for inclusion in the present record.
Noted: {"hour": 5, "minute": 26}
